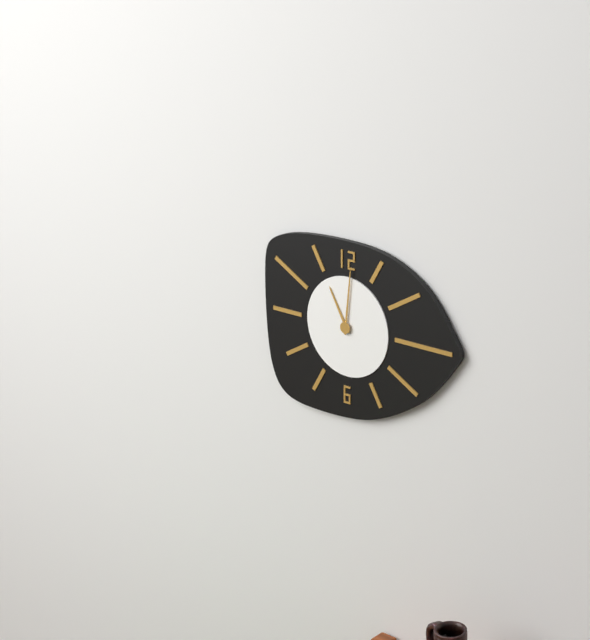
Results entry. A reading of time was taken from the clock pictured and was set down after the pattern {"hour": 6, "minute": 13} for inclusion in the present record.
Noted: {"hour": 11, "minute": 1}
